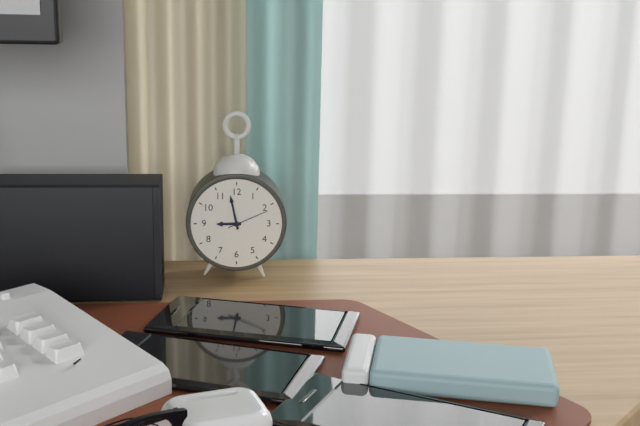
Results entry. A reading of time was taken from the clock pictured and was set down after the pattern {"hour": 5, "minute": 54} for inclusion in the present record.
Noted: {"hour": 8, "minute": 58}
